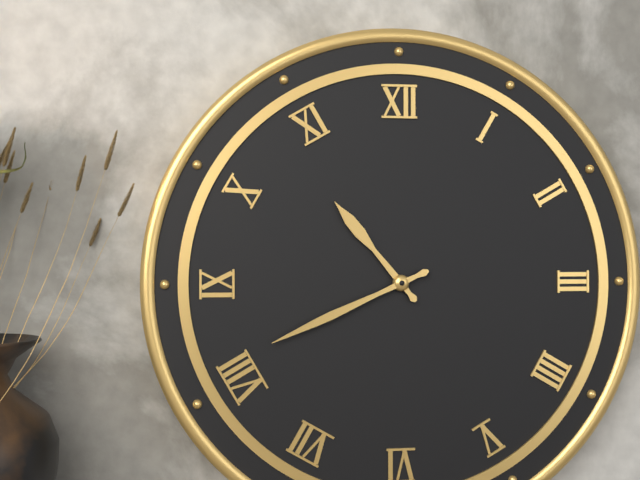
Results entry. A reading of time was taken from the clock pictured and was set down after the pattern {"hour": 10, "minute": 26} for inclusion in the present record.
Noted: {"hour": 10, "minute": 41}
